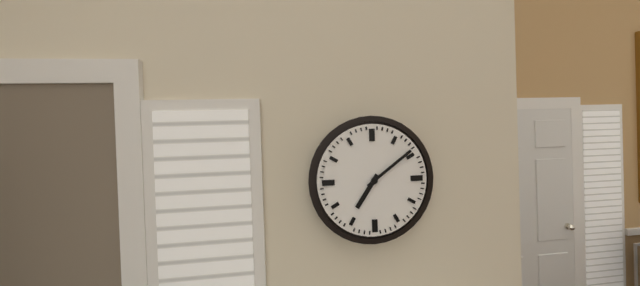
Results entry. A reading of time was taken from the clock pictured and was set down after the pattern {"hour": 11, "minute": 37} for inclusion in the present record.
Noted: {"hour": 7, "minute": 9}
